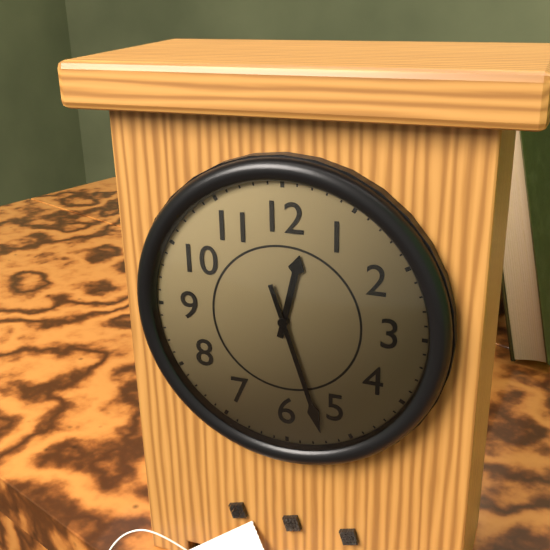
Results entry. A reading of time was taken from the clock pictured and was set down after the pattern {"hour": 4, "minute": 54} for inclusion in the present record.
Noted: {"hour": 12, "minute": 27}
